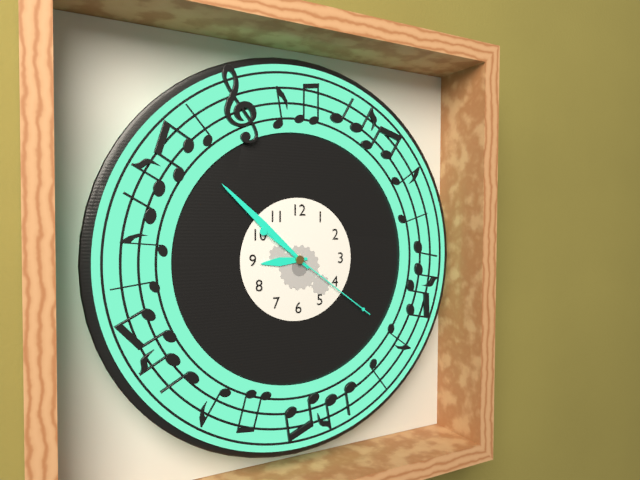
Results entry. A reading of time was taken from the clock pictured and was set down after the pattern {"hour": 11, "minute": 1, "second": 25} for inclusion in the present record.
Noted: {"hour": 8, "minute": 52, "second": 21}
